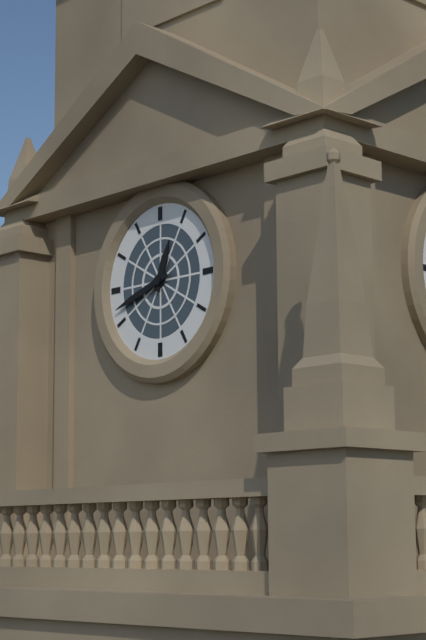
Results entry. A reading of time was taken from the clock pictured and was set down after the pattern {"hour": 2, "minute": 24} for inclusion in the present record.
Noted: {"hour": 12, "minute": 42}
